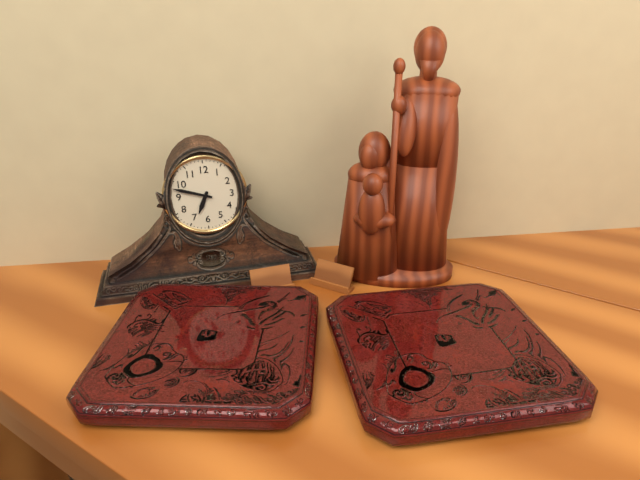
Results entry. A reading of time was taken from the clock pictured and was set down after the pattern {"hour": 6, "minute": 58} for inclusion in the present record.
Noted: {"hour": 6, "minute": 48}
